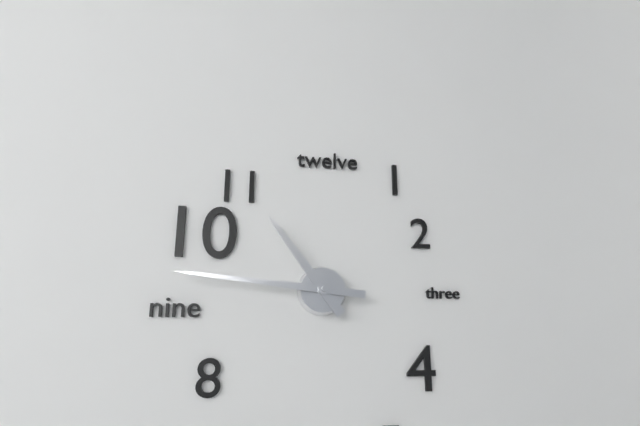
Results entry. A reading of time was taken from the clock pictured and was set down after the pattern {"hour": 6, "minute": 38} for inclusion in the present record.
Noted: {"hour": 10, "minute": 46}
